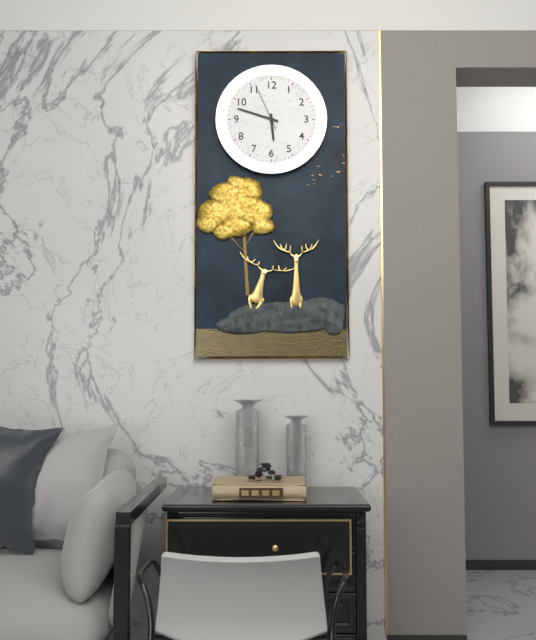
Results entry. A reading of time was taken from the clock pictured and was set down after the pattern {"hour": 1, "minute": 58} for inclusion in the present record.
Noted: {"hour": 5, "minute": 48}
